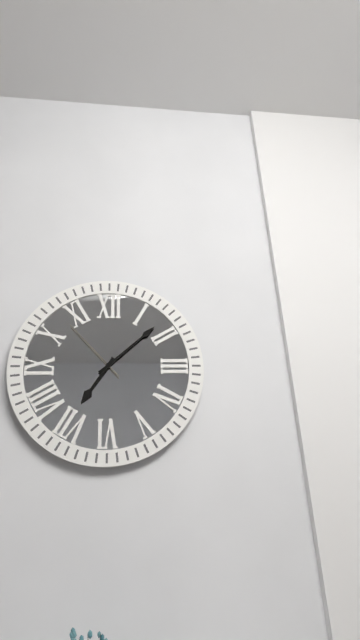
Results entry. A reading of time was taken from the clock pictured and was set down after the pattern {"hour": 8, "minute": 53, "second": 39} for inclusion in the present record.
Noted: {"hour": 7, "minute": 8, "second": 53}
